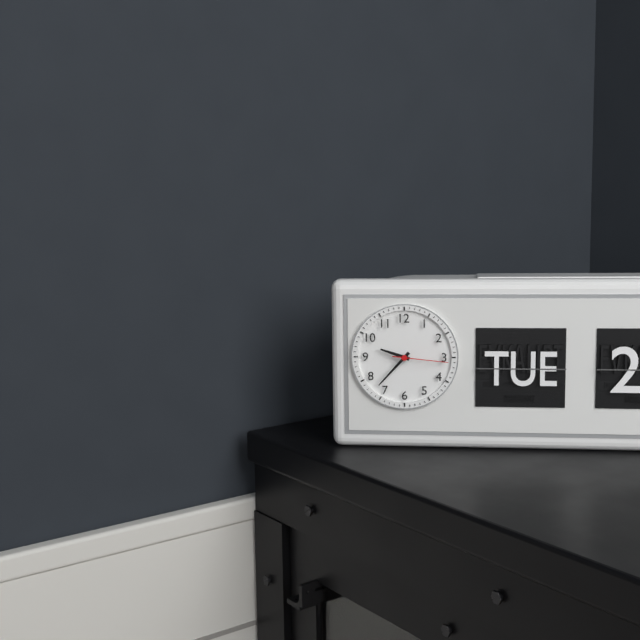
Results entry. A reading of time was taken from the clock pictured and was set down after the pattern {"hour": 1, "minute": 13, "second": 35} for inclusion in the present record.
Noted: {"hour": 9, "minute": 37, "second": 16}
